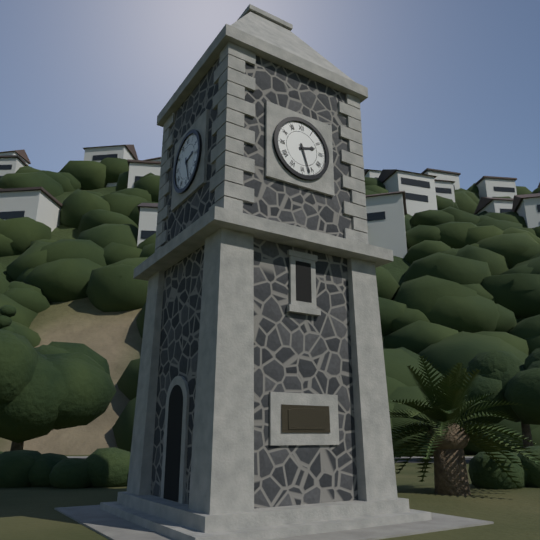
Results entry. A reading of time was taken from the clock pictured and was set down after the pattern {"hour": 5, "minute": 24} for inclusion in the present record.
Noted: {"hour": 2, "minute": 27}
